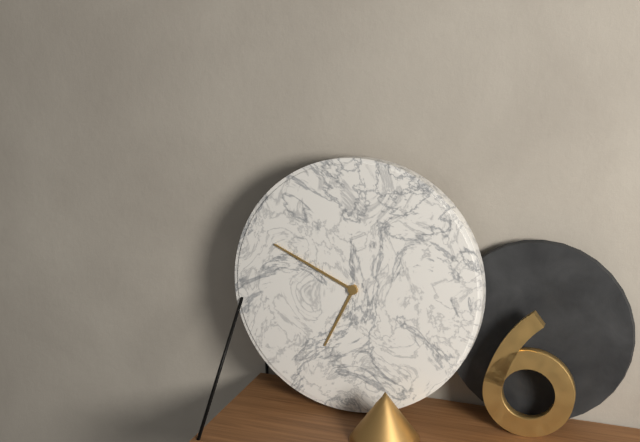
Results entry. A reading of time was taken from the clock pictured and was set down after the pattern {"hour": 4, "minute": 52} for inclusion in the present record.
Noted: {"hour": 6, "minute": 49}
